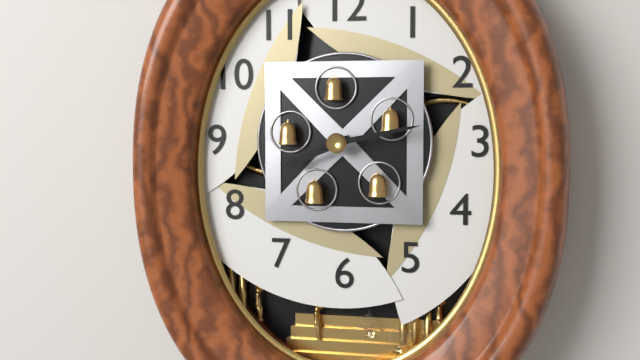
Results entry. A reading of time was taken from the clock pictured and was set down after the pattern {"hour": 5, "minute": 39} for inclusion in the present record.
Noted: {"hour": 8, "minute": 13}
